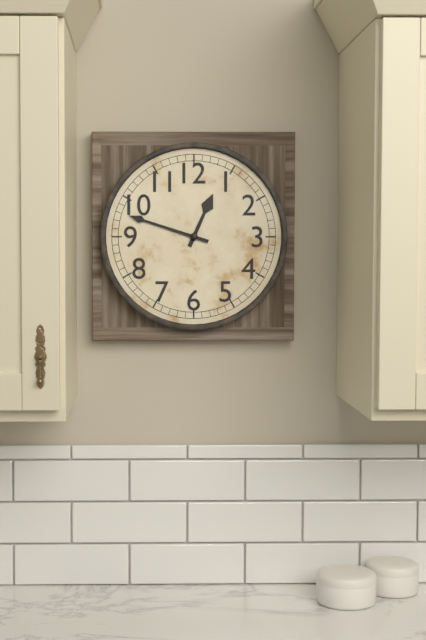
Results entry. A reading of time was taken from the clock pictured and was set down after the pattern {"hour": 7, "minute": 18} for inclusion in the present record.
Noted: {"hour": 12, "minute": 48}
